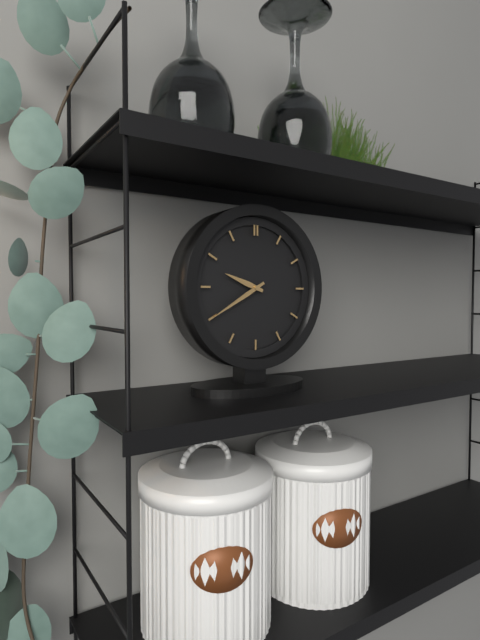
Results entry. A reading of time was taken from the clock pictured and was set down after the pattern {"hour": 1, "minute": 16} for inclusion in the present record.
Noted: {"hour": 9, "minute": 40}
